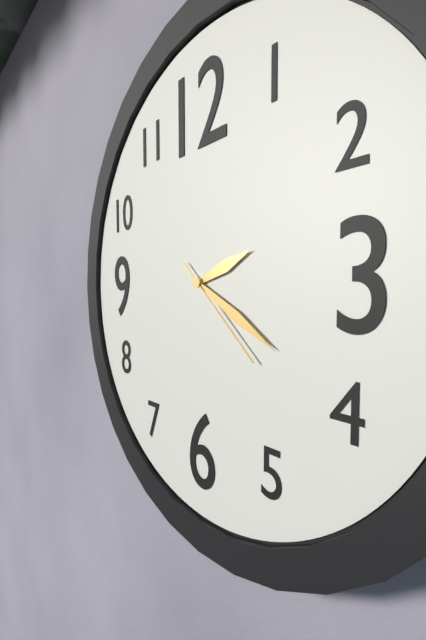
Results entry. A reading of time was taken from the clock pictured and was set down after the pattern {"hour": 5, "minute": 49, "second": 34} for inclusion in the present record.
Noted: {"hour": 2, "minute": 20, "second": 22}
